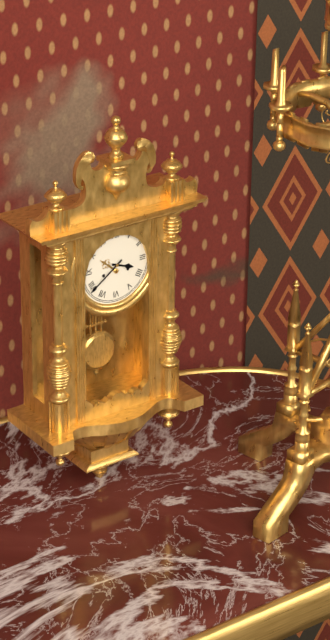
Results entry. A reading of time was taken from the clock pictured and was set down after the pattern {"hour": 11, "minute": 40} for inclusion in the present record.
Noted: {"hour": 3, "minute": 39}
